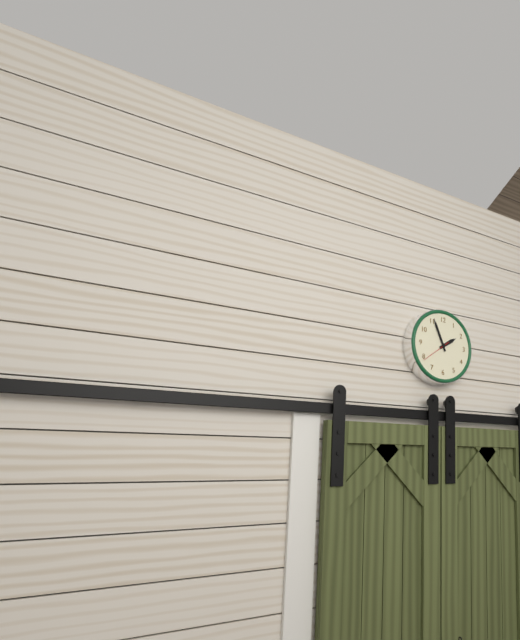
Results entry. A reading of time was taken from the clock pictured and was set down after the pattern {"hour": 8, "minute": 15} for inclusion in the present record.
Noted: {"hour": 1, "minute": 56}
